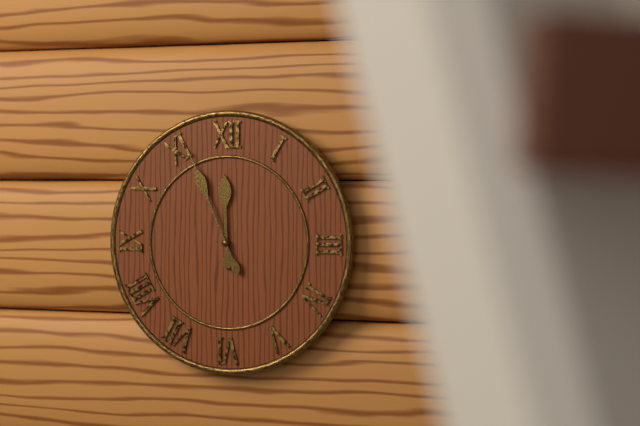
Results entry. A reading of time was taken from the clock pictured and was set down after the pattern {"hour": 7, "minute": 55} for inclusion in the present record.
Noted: {"hour": 11, "minute": 56}
